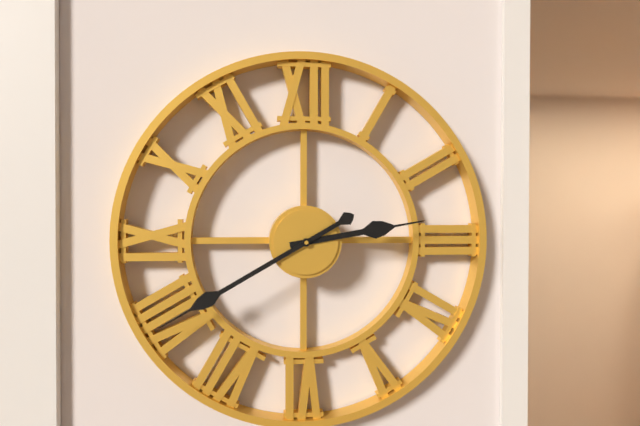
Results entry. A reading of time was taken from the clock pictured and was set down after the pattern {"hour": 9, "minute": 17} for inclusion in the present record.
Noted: {"hour": 2, "minute": 40}
